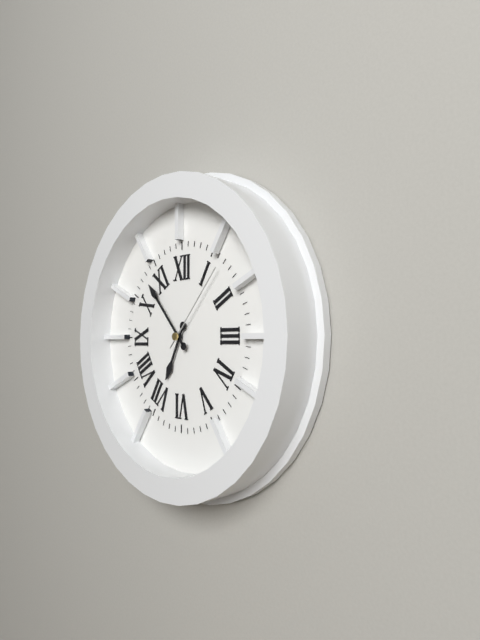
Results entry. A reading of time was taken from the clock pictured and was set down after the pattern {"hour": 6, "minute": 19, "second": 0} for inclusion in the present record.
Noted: {"hour": 6, "minute": 53, "second": 7}
